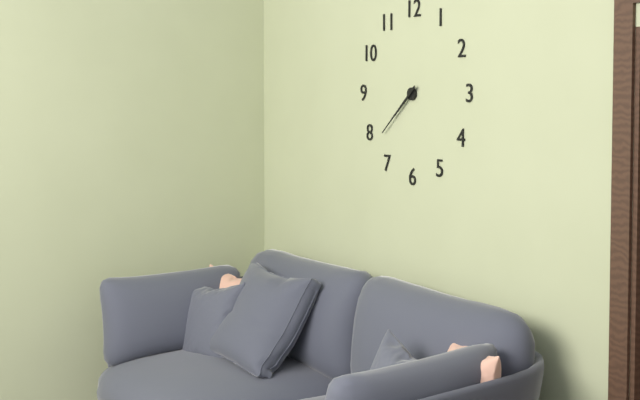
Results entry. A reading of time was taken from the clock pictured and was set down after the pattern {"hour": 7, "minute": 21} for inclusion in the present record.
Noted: {"hour": 7, "minute": 38}
